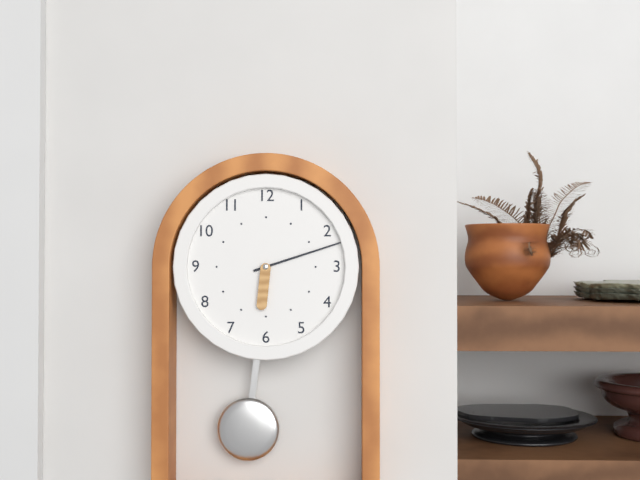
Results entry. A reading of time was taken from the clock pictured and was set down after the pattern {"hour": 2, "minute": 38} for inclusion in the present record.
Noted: {"hour": 6, "minute": 12}
